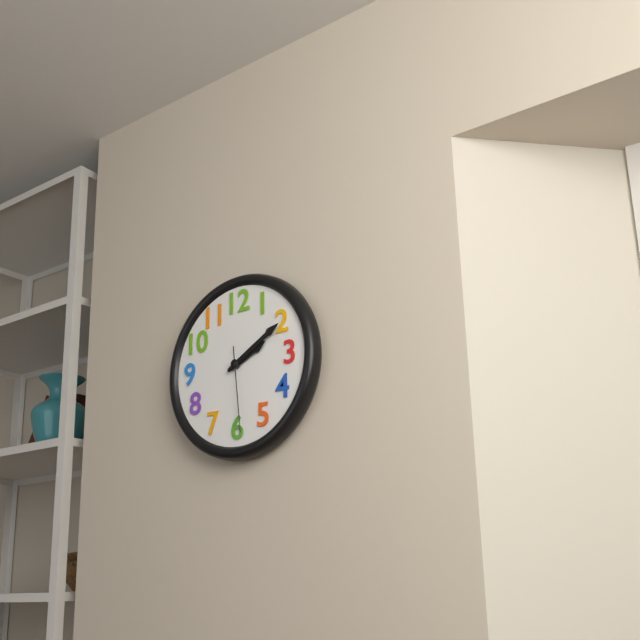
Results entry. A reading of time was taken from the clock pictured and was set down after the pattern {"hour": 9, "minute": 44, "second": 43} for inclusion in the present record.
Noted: {"hour": 2, "minute": 10, "second": 29}
